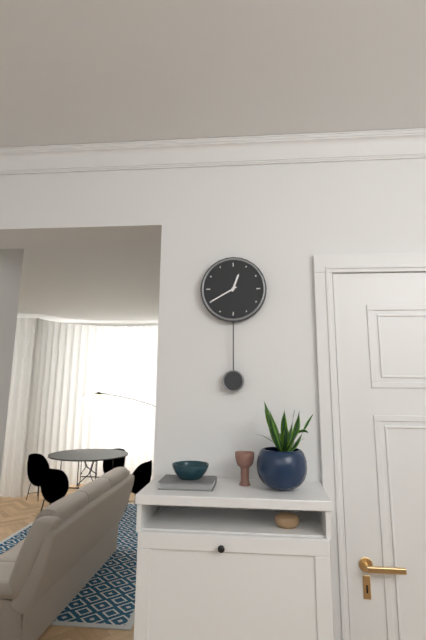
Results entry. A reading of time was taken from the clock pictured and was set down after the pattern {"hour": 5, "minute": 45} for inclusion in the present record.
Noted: {"hour": 12, "minute": 40}
